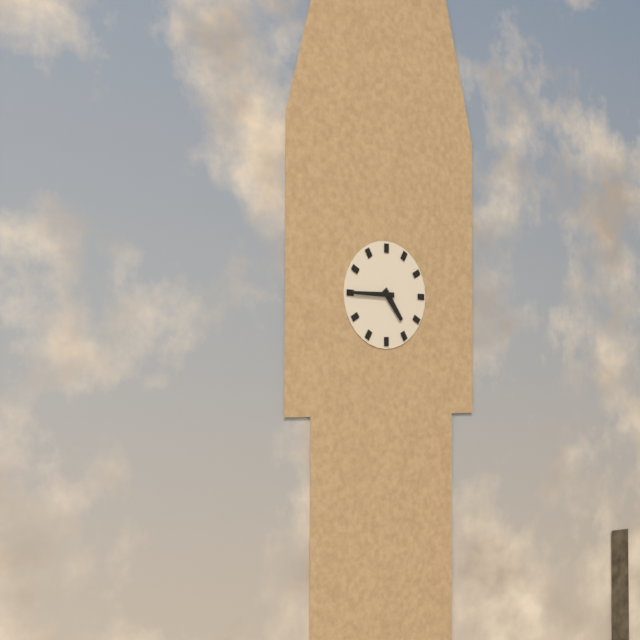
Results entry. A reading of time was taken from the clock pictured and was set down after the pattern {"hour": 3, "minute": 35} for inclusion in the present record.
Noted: {"hour": 4, "minute": 45}
